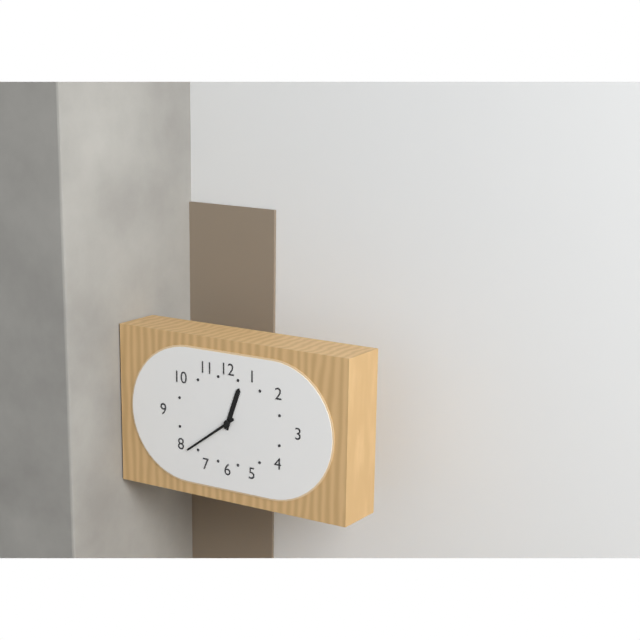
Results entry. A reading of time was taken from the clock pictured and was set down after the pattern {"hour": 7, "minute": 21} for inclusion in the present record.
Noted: {"hour": 12, "minute": 39}
